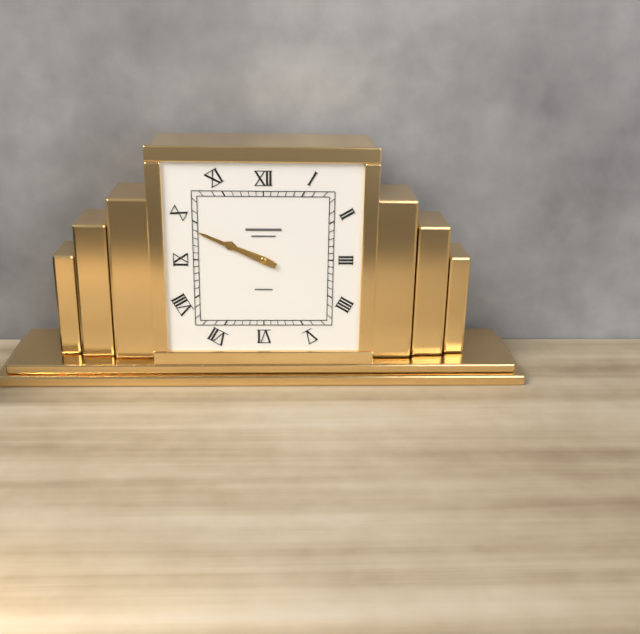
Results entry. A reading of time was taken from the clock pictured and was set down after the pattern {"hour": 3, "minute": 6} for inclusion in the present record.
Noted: {"hour": 9, "minute": 49}
